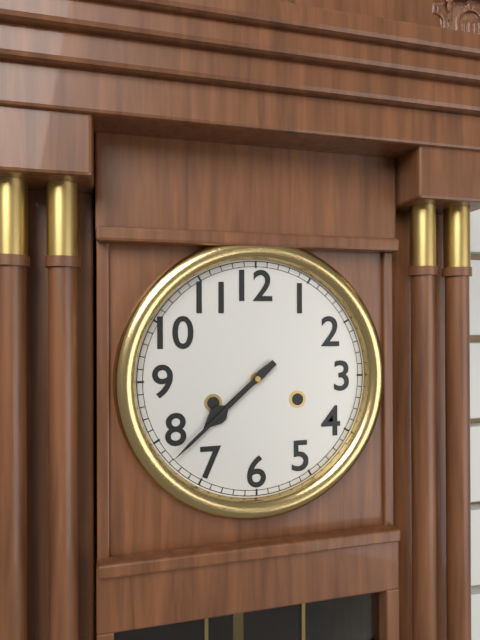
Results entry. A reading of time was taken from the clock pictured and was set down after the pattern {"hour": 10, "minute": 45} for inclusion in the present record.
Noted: {"hour": 7, "minute": 38}
